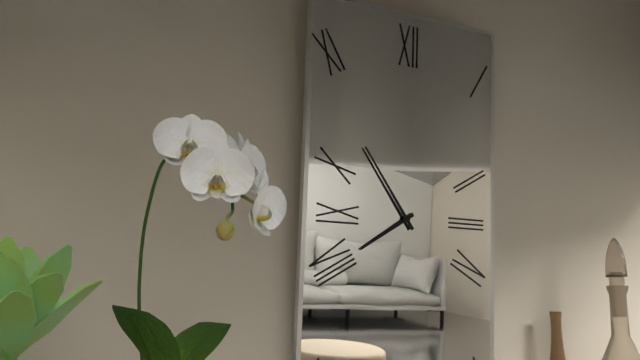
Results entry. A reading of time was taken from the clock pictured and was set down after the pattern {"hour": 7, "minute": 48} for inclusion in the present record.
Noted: {"hour": 7, "minute": 54}
